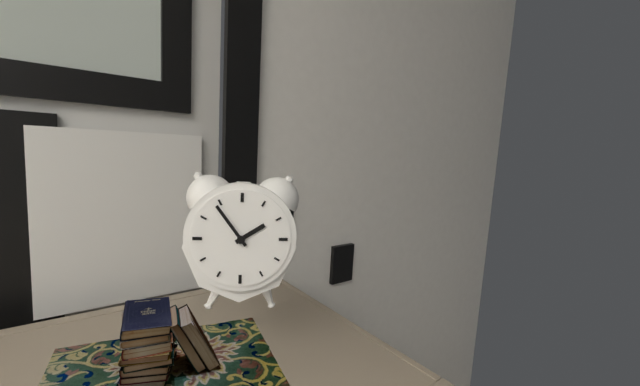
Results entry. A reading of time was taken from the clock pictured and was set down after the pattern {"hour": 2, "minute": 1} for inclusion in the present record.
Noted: {"hour": 1, "minute": 54}
